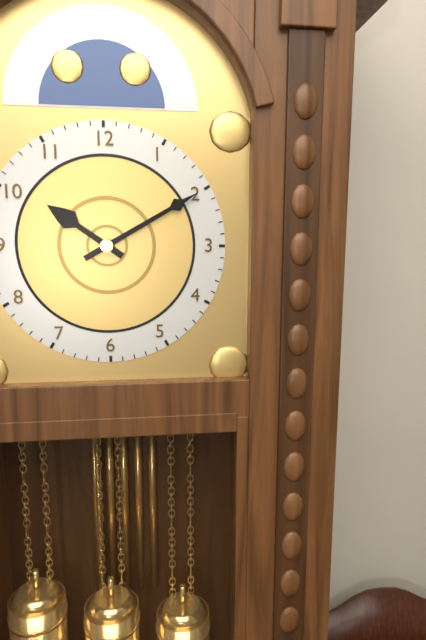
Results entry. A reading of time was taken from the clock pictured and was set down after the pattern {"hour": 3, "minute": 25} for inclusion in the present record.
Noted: {"hour": 10, "minute": 10}
